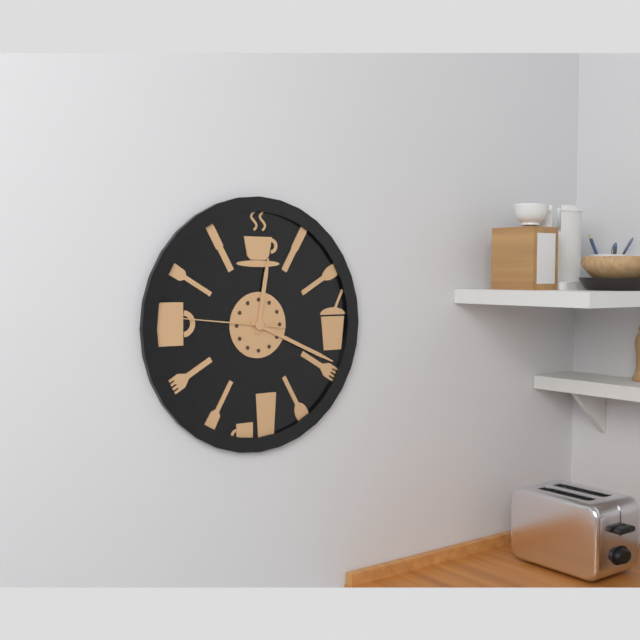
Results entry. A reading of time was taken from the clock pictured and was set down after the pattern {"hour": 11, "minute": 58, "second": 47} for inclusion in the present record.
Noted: {"hour": 12, "minute": 19, "second": 46}
